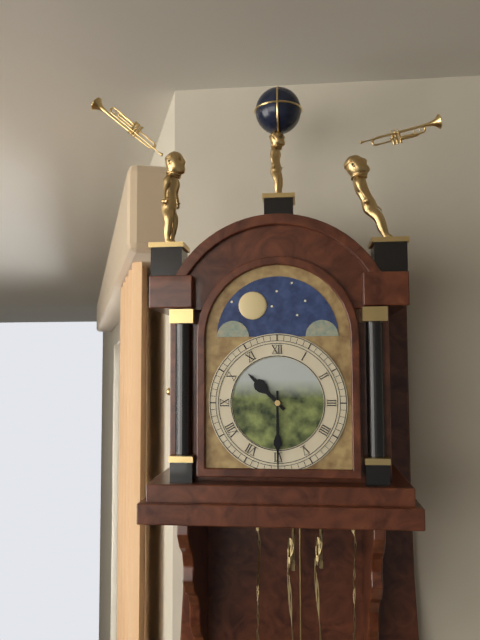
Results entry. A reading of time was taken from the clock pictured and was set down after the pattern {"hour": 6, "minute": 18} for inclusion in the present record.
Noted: {"hour": 10, "minute": 30}
